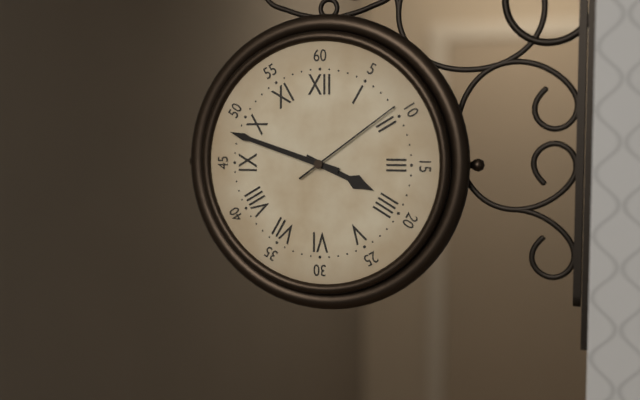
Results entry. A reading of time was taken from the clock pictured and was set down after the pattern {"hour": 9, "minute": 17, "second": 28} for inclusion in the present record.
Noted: {"hour": 3, "minute": 48, "second": 9}
